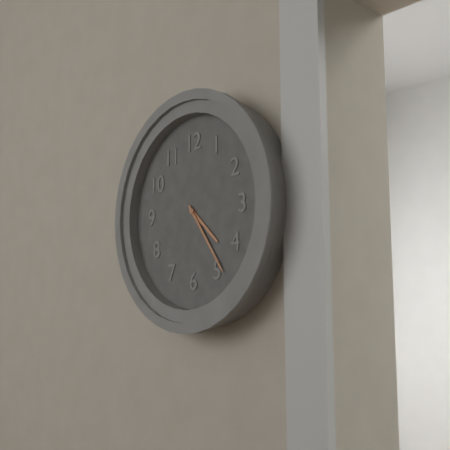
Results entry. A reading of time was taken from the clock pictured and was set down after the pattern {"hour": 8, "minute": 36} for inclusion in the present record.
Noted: {"hour": 4, "minute": 24}
